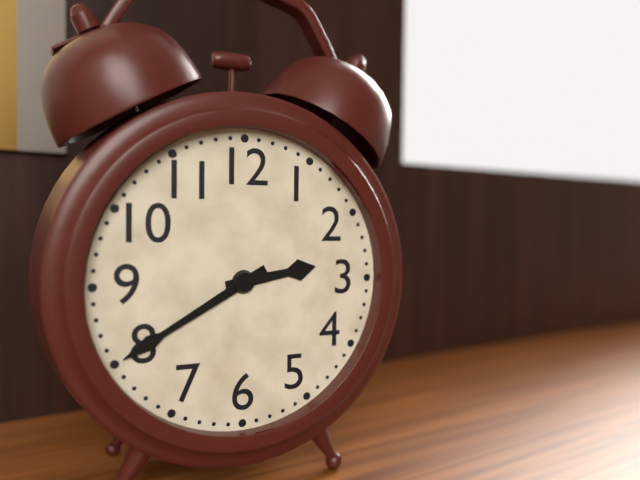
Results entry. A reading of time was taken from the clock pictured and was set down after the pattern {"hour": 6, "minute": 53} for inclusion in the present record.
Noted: {"hour": 2, "minute": 40}
